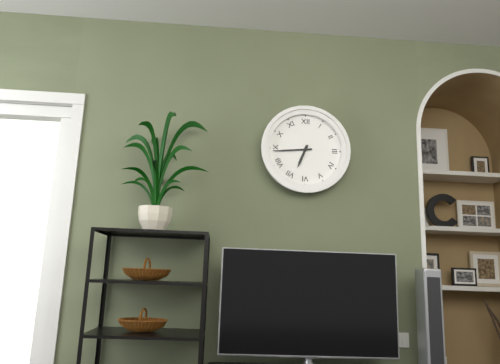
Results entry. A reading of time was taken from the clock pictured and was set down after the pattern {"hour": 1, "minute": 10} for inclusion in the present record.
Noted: {"hour": 6, "minute": 44}
